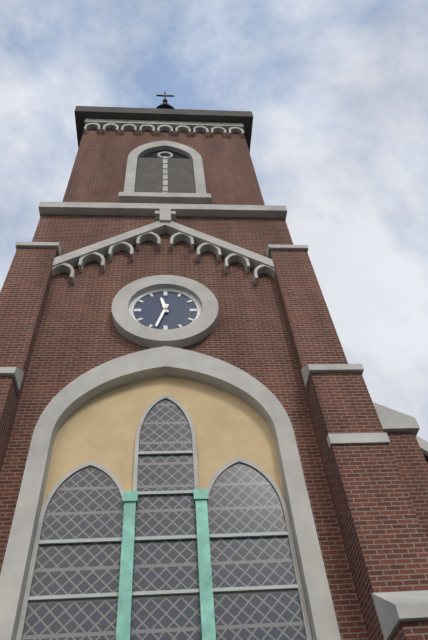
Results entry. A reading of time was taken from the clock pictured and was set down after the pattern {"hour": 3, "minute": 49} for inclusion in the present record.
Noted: {"hour": 11, "minute": 33}
